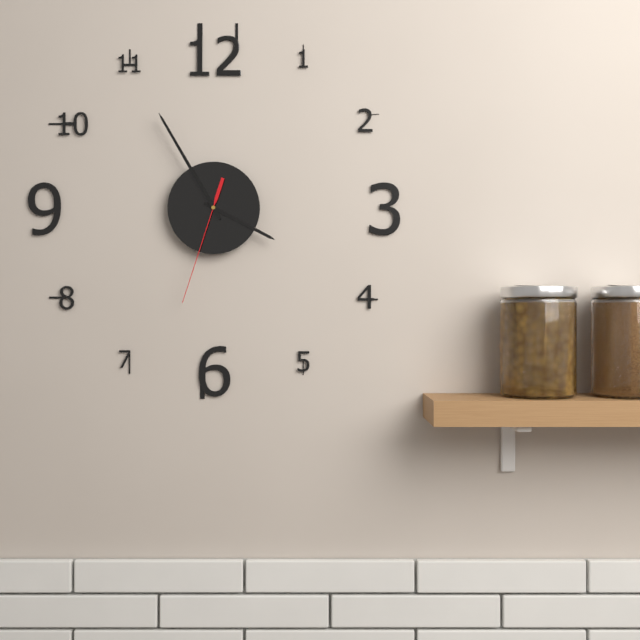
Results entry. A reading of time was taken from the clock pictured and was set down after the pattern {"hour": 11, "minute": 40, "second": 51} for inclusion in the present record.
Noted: {"hour": 3, "minute": 55, "second": 33}
